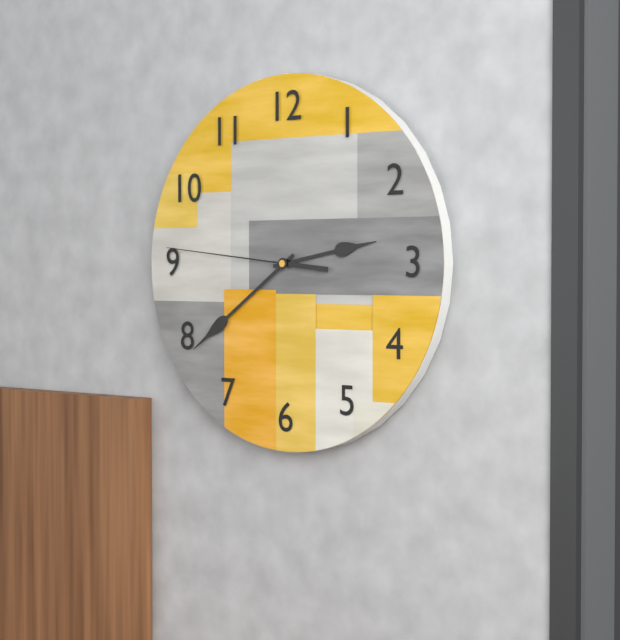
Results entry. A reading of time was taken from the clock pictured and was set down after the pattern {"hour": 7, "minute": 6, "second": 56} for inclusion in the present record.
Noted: {"hour": 2, "minute": 39, "second": 46}
